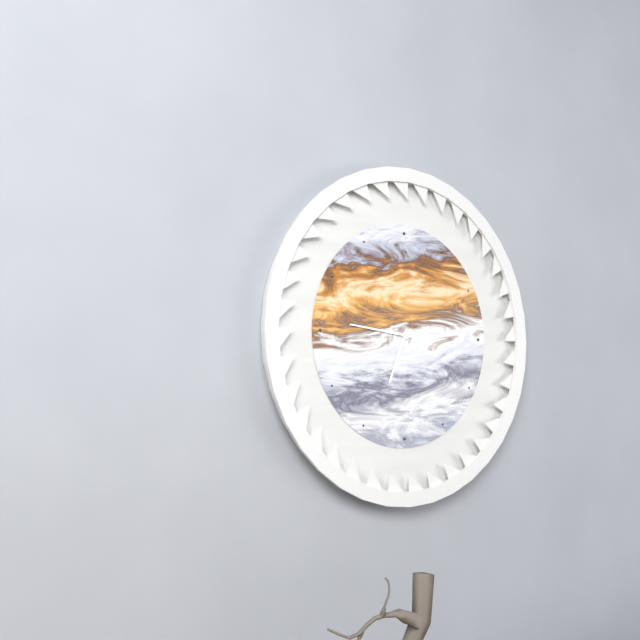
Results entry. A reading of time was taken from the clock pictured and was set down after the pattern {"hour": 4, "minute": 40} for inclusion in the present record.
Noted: {"hour": 6, "minute": 46}
